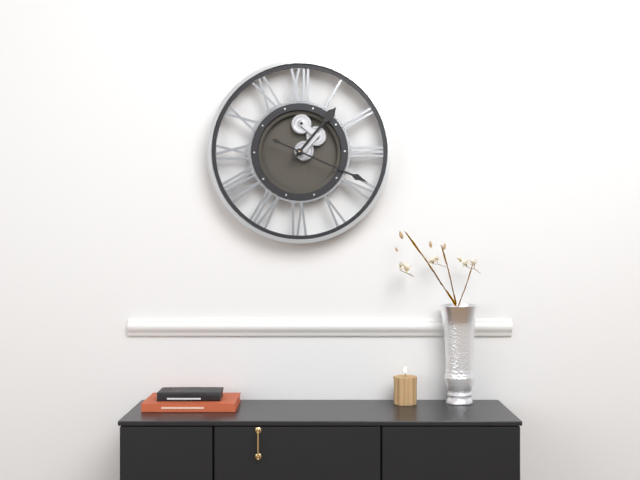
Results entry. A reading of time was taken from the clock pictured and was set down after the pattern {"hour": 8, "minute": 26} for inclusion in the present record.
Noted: {"hour": 1, "minute": 19}
